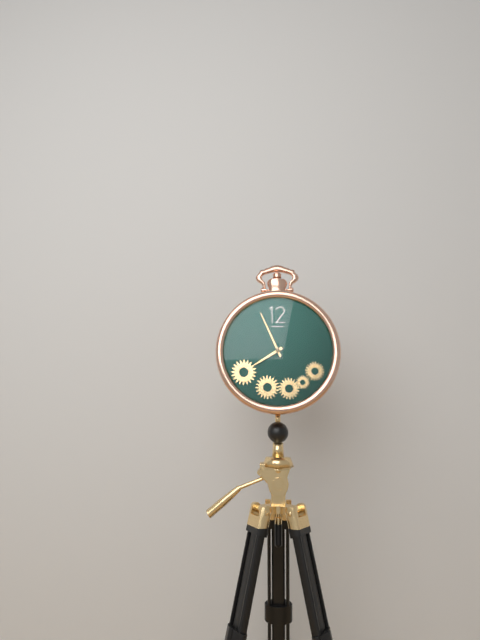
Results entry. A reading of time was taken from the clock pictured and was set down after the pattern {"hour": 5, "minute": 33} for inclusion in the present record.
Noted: {"hour": 7, "minute": 56}
